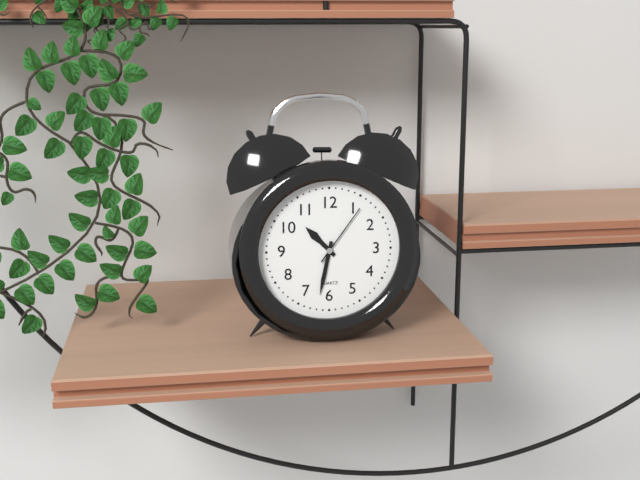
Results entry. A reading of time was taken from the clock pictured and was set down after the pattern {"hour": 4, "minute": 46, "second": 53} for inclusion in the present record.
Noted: {"hour": 10, "minute": 32, "second": 6}
